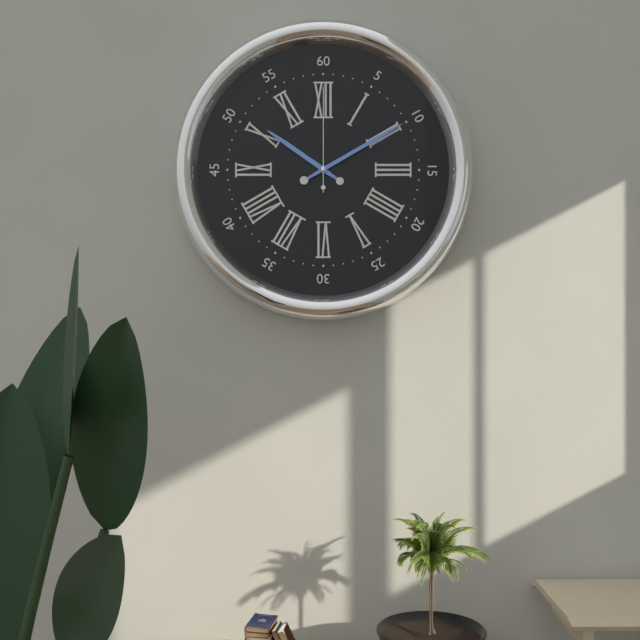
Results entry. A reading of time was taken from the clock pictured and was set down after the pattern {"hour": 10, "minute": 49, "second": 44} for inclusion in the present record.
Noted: {"hour": 10, "minute": 10, "second": 0}
